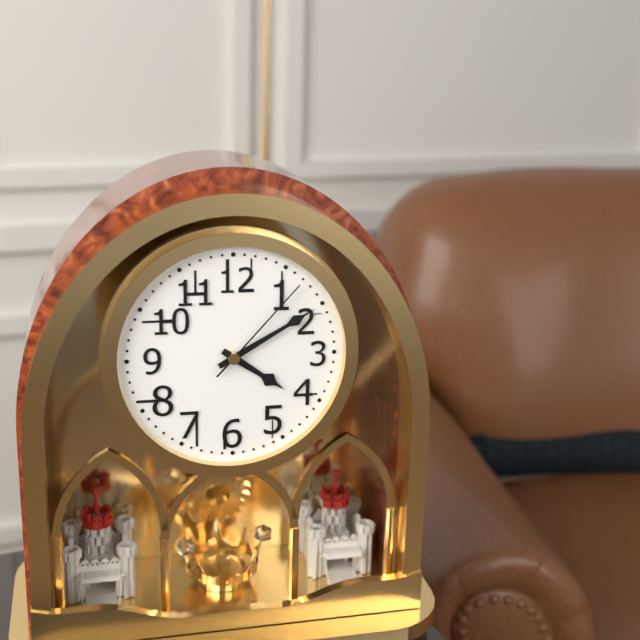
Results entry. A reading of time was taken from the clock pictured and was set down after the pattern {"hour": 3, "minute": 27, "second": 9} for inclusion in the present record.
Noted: {"hour": 4, "minute": 10, "second": 7}
